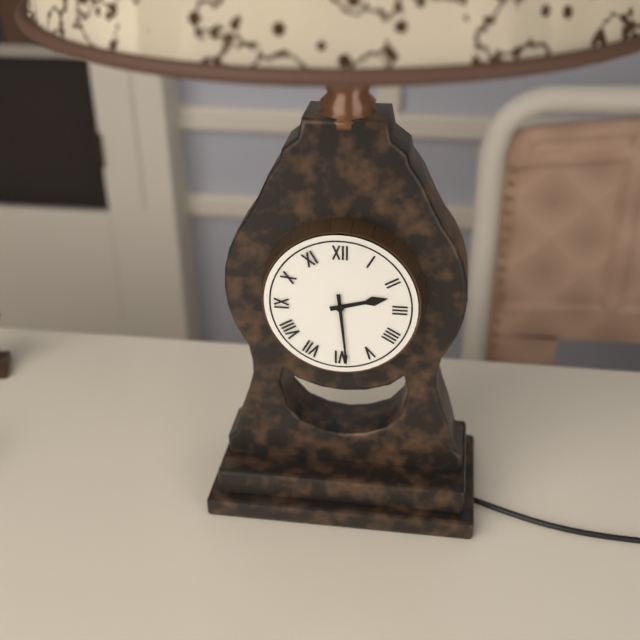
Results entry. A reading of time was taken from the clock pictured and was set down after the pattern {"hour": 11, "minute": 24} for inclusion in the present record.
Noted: {"hour": 2, "minute": 29}
